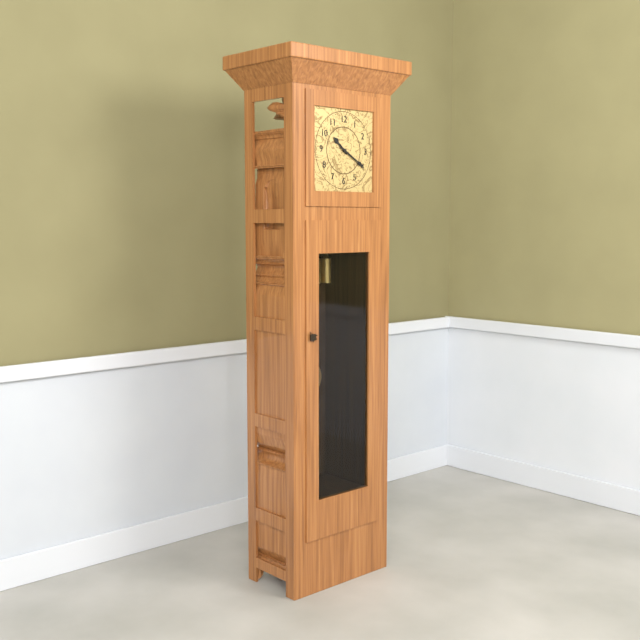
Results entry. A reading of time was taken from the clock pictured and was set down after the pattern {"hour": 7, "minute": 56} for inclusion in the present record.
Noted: {"hour": 10, "minute": 20}
